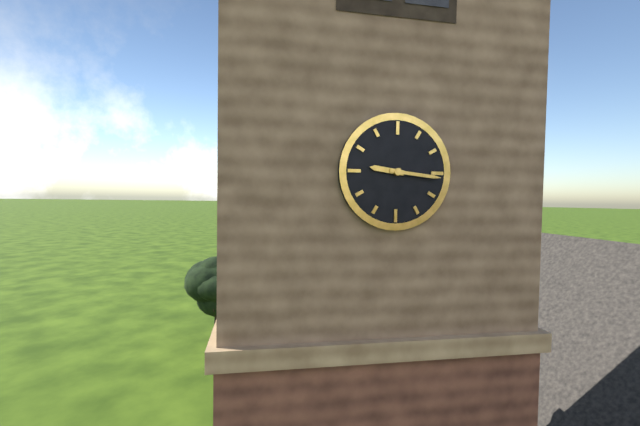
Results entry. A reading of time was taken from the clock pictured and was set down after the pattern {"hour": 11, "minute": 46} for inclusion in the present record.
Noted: {"hour": 9, "minute": 16}
